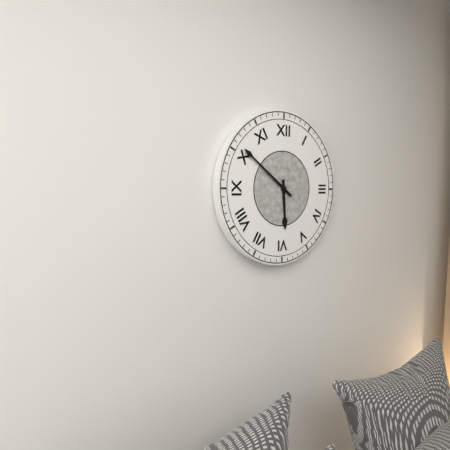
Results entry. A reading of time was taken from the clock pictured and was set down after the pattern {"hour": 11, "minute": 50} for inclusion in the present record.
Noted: {"hour": 5, "minute": 51}
